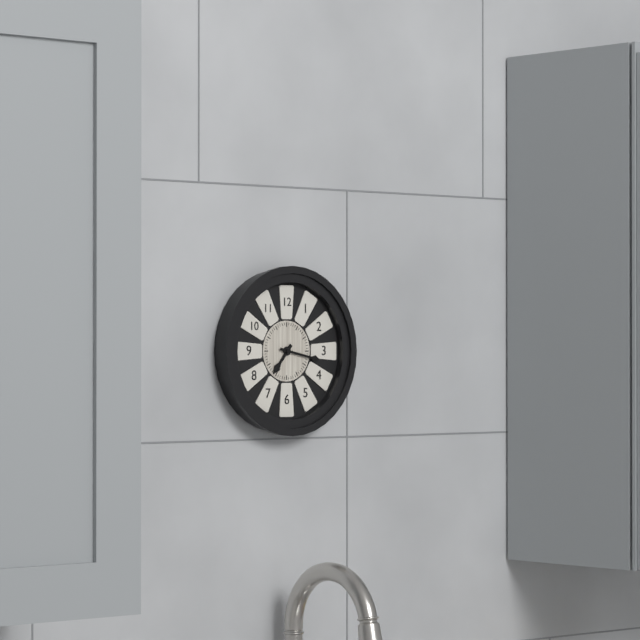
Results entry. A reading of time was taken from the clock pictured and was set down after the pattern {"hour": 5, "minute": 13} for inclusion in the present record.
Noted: {"hour": 7, "minute": 17}
